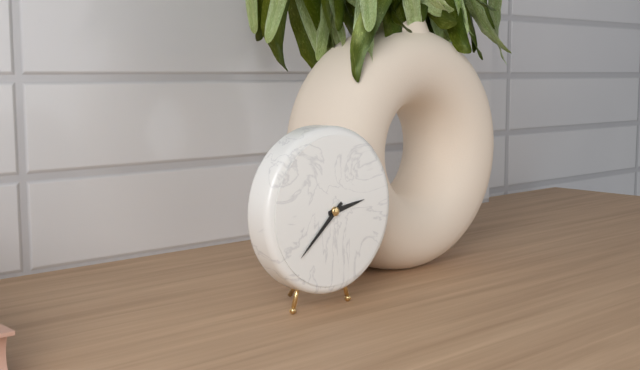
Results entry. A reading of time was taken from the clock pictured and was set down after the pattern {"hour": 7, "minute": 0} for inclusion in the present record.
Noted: {"hour": 2, "minute": 38}
